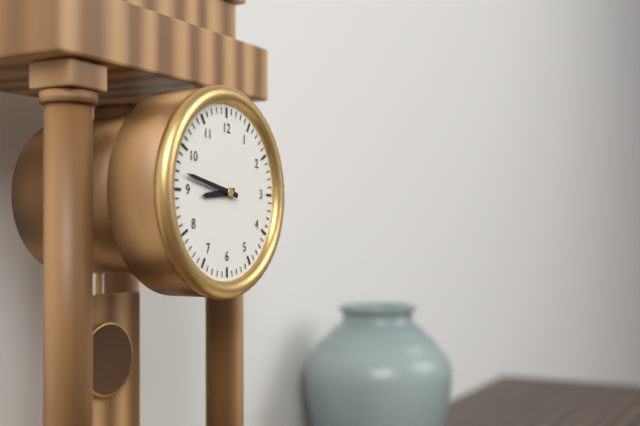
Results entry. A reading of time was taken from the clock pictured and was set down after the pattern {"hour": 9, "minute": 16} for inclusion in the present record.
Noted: {"hour": 8, "minute": 47}
